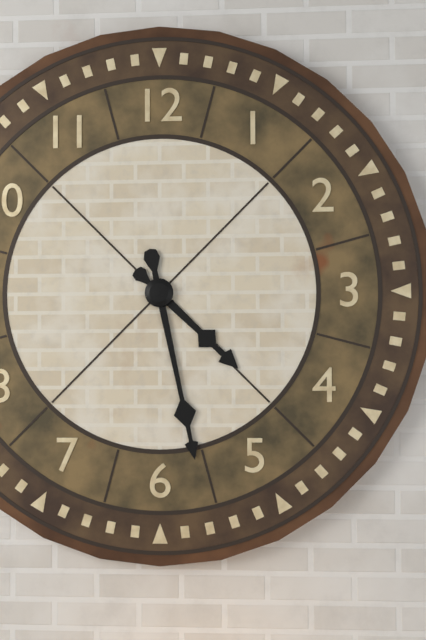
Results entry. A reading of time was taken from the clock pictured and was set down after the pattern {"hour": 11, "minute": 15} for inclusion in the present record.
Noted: {"hour": 4, "minute": 28}
